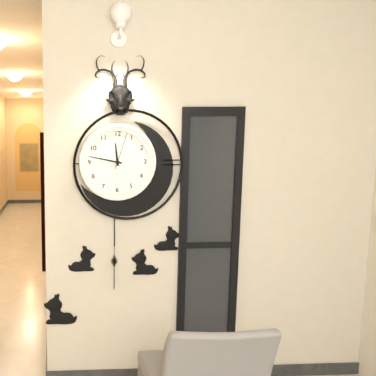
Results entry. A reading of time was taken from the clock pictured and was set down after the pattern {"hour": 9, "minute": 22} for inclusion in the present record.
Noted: {"hour": 11, "minute": 47}
